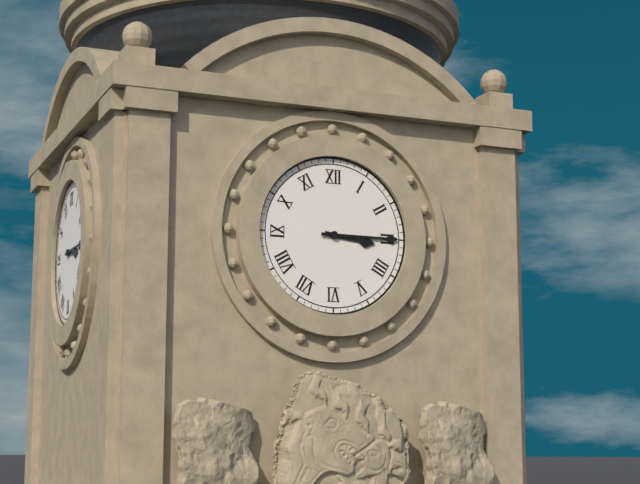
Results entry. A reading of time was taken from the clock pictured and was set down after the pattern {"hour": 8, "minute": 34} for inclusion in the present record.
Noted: {"hour": 3, "minute": 15}
